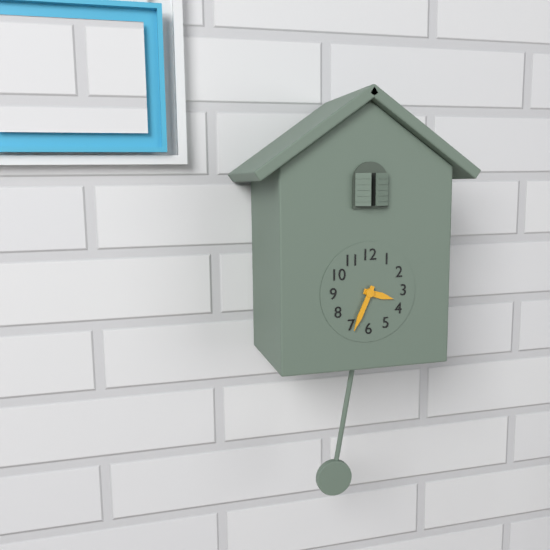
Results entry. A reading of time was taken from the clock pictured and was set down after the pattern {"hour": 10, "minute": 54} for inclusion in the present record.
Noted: {"hour": 3, "minute": 34}
